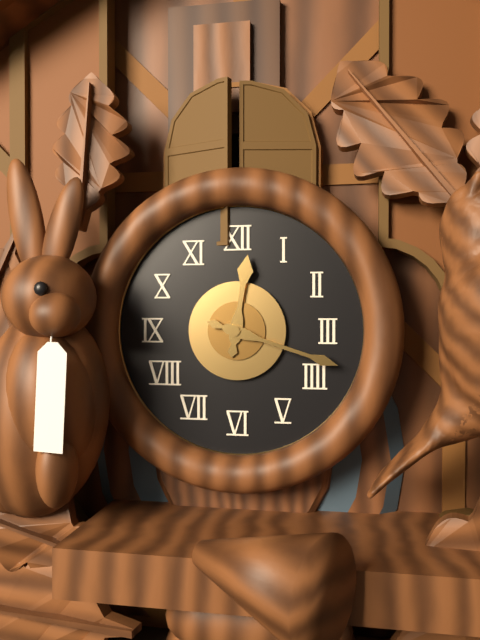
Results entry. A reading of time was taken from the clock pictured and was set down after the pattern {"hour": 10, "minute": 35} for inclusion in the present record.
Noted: {"hour": 12, "minute": 18}
